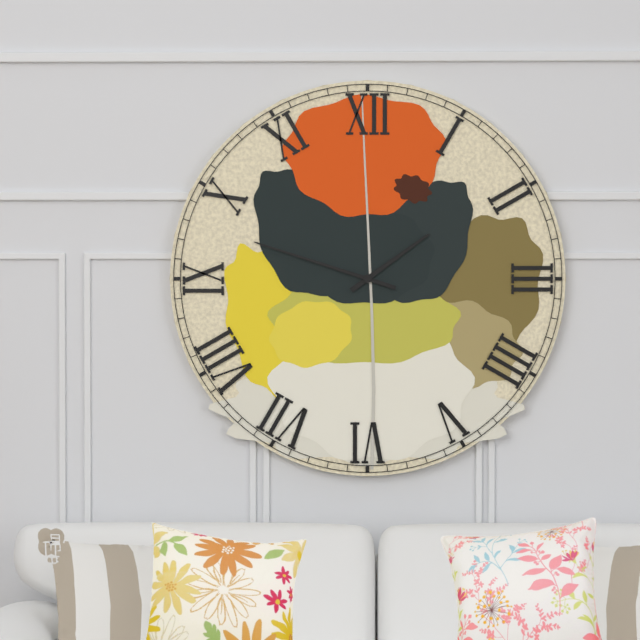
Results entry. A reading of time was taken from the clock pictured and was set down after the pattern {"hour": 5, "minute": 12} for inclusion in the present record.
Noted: {"hour": 1, "minute": 48}
